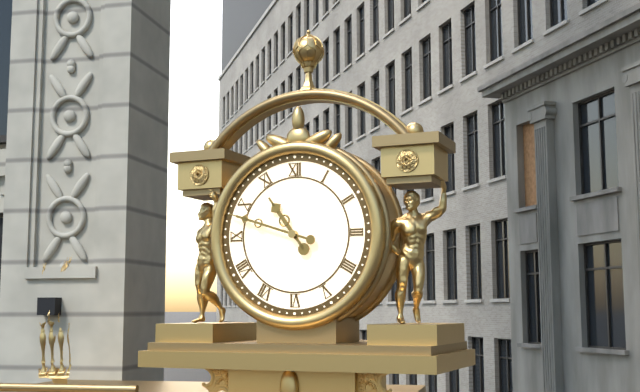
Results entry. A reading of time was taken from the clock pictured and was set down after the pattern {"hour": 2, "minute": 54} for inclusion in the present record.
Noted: {"hour": 10, "minute": 48}
